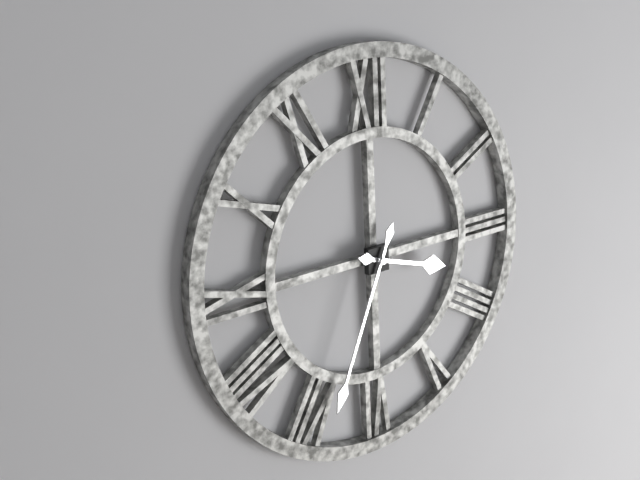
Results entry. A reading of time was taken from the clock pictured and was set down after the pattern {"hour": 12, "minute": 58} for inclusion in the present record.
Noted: {"hour": 3, "minute": 34}
